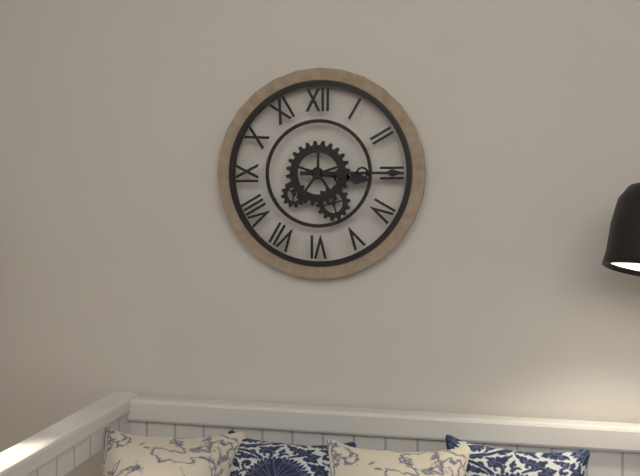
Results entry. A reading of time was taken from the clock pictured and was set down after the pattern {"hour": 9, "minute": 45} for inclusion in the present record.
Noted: {"hour": 3, "minute": 15}
